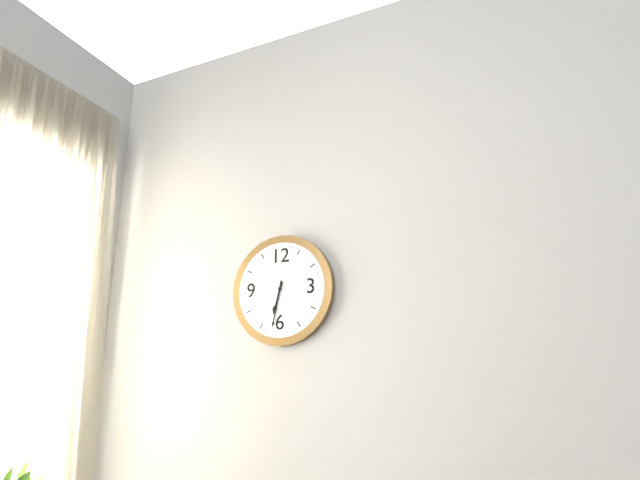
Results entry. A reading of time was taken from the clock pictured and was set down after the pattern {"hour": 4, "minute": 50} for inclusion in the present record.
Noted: {"hour": 6, "minute": 32}
